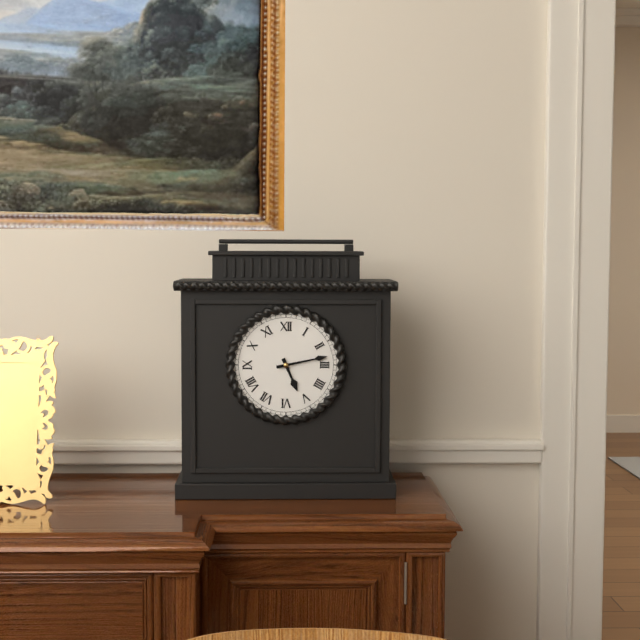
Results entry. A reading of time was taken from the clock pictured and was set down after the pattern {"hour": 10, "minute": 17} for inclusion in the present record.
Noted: {"hour": 5, "minute": 13}
